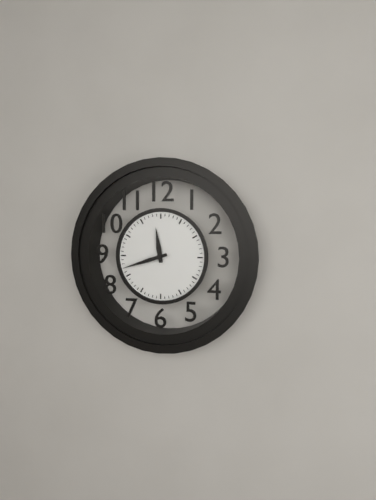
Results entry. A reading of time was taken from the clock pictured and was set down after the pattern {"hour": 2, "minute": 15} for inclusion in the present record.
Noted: {"hour": 11, "minute": 42}
